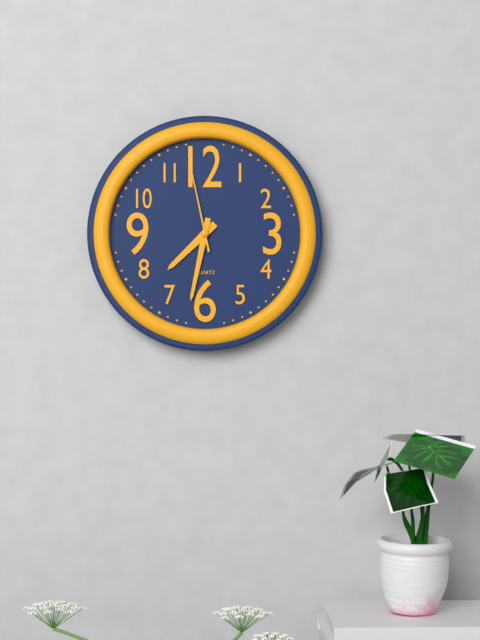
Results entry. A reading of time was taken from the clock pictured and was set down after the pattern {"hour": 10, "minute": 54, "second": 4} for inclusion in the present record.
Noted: {"hour": 7, "minute": 32, "second": 58}
